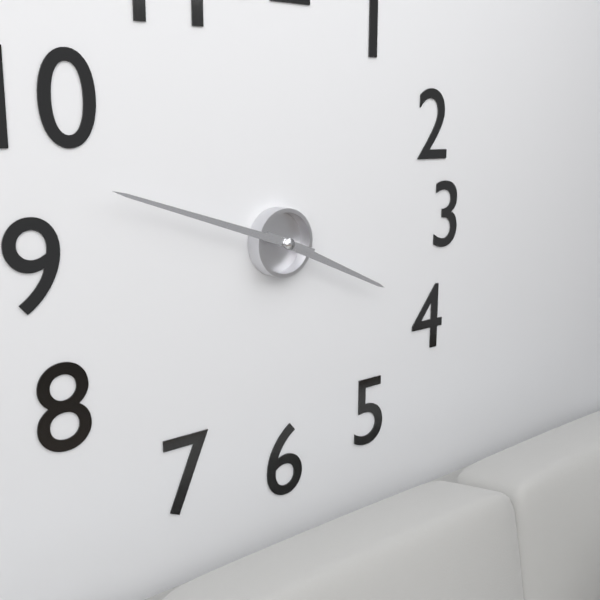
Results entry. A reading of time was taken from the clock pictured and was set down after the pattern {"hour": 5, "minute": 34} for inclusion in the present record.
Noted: {"hour": 3, "minute": 48}
